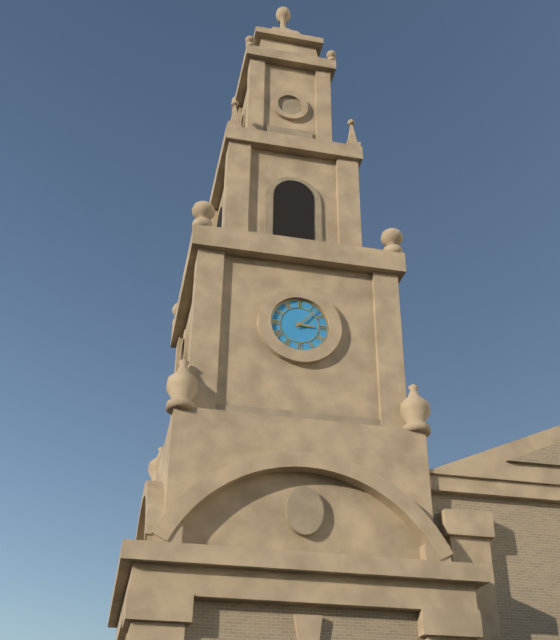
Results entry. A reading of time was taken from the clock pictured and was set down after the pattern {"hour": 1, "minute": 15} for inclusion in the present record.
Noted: {"hour": 3, "minute": 7}
